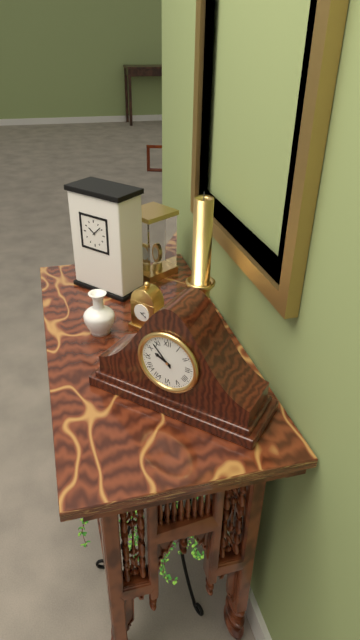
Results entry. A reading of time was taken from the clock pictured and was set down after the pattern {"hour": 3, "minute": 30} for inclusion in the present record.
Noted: {"hour": 9, "minute": 53}
